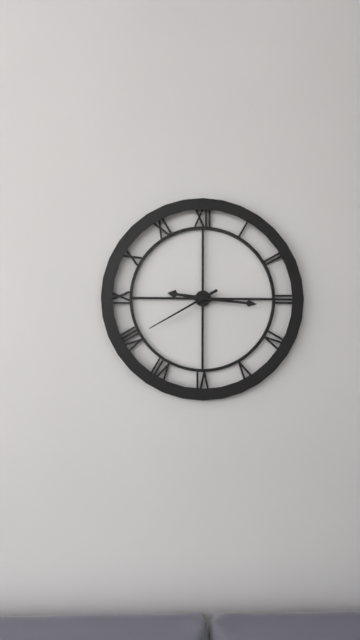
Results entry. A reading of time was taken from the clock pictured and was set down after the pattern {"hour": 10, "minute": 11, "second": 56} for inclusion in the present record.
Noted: {"hour": 9, "minute": 16, "second": 40}
